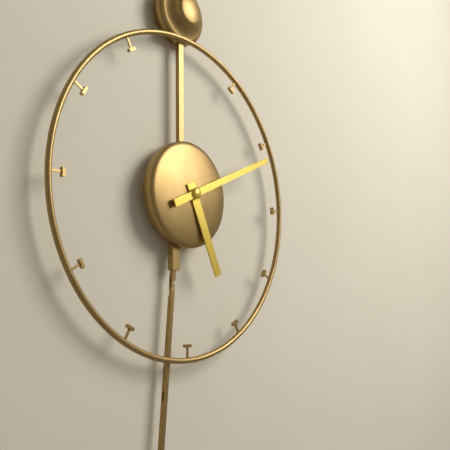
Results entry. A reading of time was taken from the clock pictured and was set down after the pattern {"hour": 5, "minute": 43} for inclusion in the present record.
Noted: {"hour": 5, "minute": 11}
